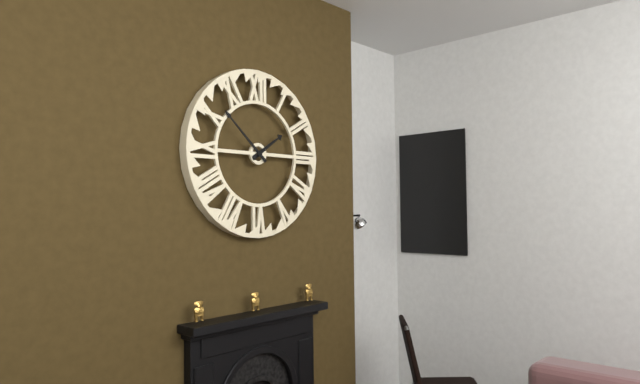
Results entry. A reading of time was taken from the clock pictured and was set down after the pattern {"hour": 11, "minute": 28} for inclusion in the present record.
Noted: {"hour": 1, "minute": 52}
